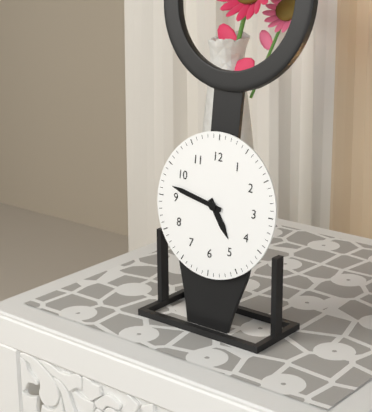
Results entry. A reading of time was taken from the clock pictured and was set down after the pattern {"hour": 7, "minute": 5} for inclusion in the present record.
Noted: {"hour": 4, "minute": 47}
